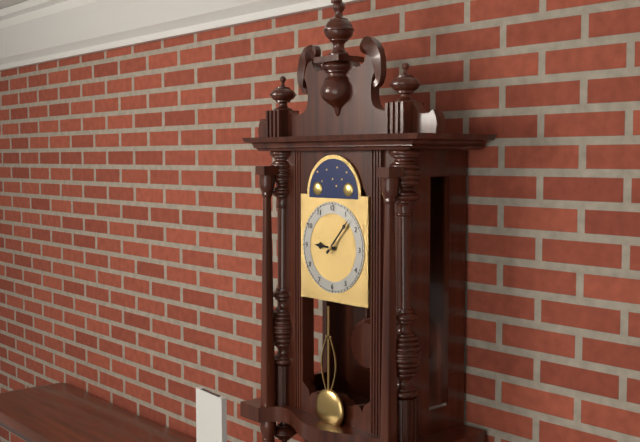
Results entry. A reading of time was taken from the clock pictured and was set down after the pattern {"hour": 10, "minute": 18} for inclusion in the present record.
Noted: {"hour": 9, "minute": 7}
